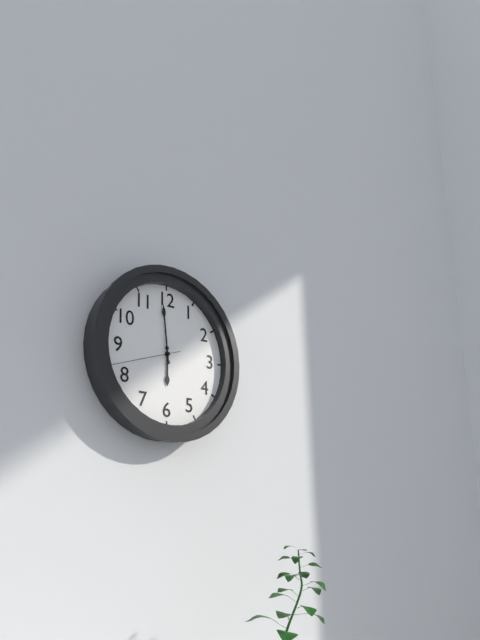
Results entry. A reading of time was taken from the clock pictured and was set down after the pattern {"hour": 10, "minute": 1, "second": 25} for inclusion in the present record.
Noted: {"hour": 5, "minute": 59, "second": 42}
